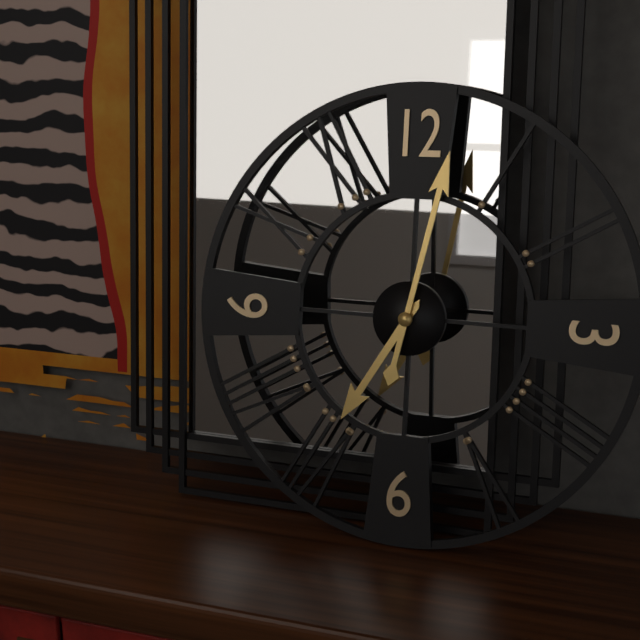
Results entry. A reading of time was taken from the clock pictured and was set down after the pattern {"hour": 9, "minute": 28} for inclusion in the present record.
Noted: {"hour": 7, "minute": 2}
